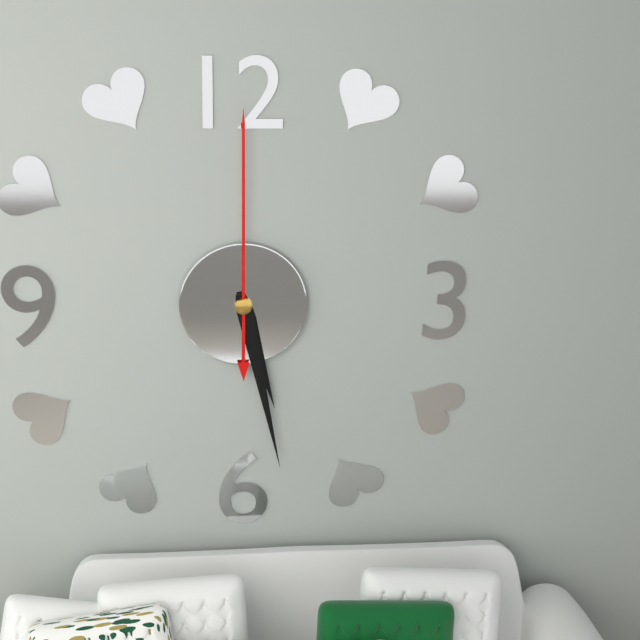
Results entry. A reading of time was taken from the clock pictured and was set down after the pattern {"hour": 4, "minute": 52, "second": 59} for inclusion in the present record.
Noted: {"hour": 5, "minute": 28, "second": 0}
